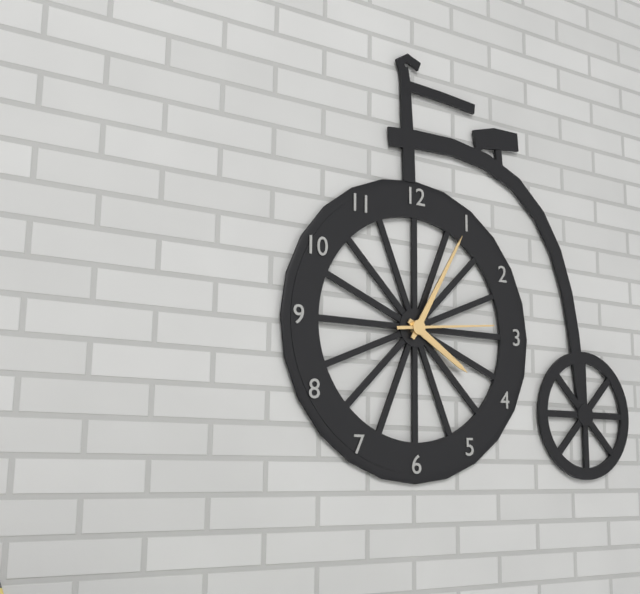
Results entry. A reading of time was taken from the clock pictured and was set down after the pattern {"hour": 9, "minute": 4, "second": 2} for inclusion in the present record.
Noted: {"hour": 4, "minute": 5, "second": 14}
